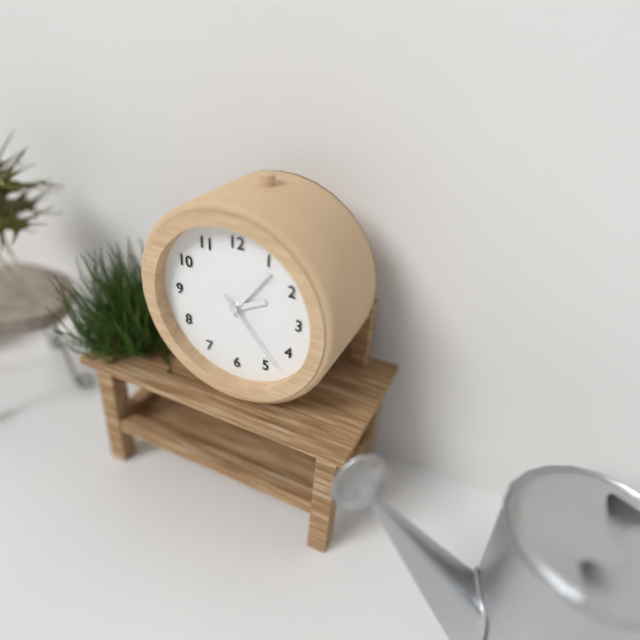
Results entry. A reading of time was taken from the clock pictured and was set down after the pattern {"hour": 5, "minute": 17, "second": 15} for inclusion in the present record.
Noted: {"hour": 2, "minute": 6, "second": 23}
